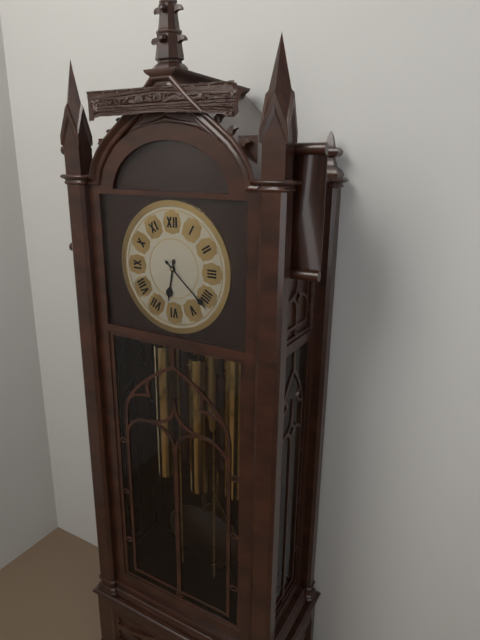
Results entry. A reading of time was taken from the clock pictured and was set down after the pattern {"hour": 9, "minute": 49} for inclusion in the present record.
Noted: {"hour": 6, "minute": 22}
